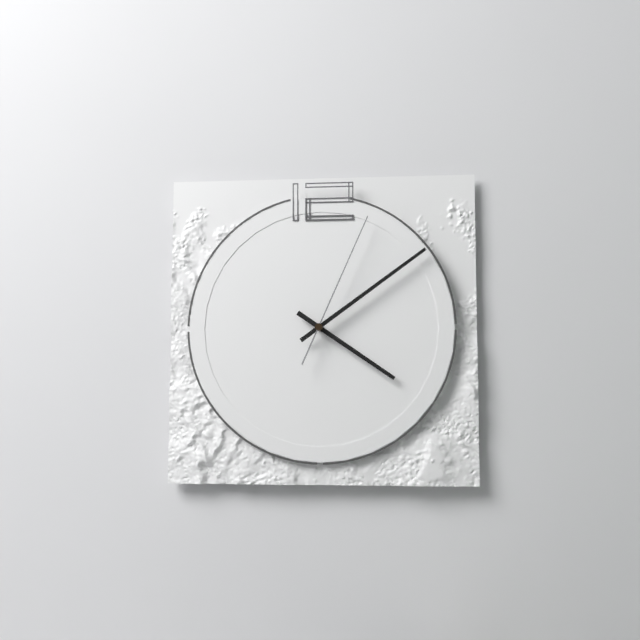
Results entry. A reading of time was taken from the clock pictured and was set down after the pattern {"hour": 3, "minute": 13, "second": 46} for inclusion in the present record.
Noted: {"hour": 4, "minute": 9, "second": 4}
